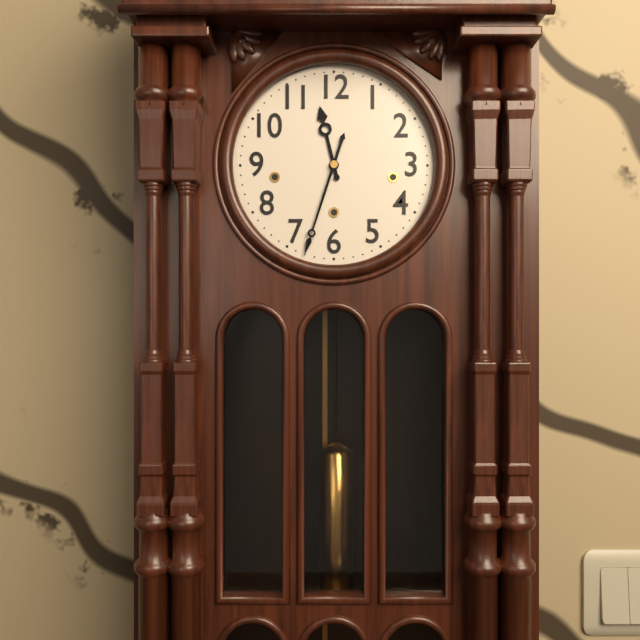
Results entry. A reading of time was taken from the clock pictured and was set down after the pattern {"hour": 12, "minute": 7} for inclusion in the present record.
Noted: {"hour": 11, "minute": 33}
